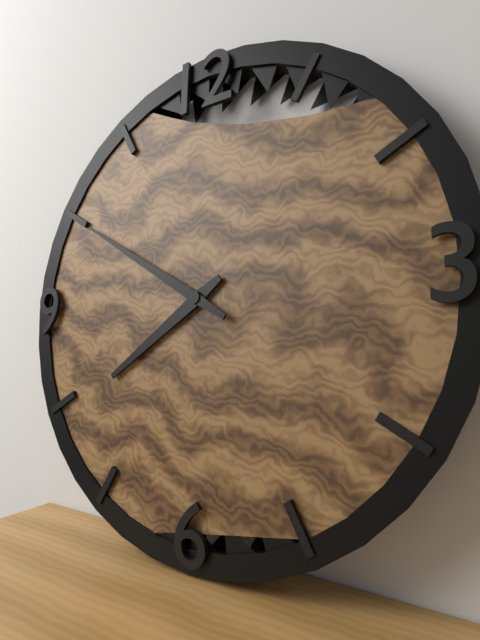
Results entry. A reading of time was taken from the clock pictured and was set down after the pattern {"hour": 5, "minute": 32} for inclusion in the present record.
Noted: {"hour": 7, "minute": 50}
